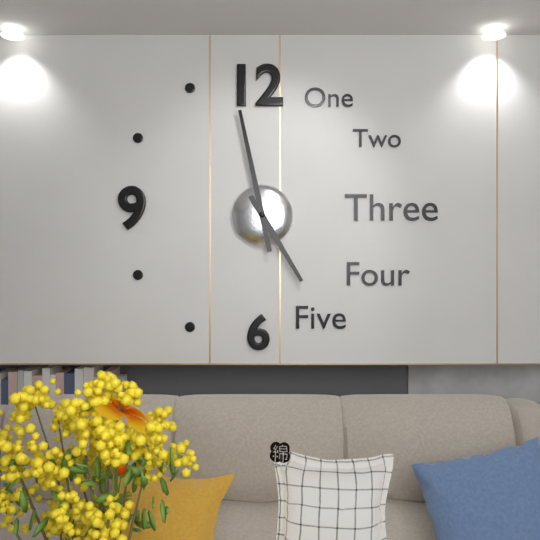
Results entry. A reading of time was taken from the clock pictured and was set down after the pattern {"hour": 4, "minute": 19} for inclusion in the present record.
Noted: {"hour": 4, "minute": 58}
